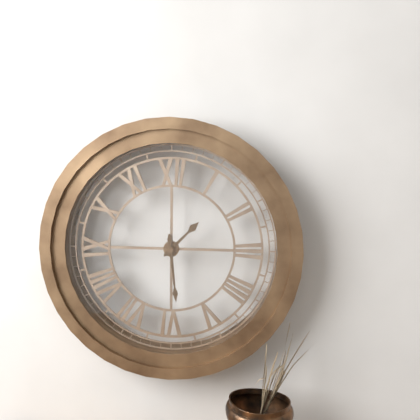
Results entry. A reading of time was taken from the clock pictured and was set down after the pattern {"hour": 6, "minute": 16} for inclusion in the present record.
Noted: {"hour": 1, "minute": 29}
